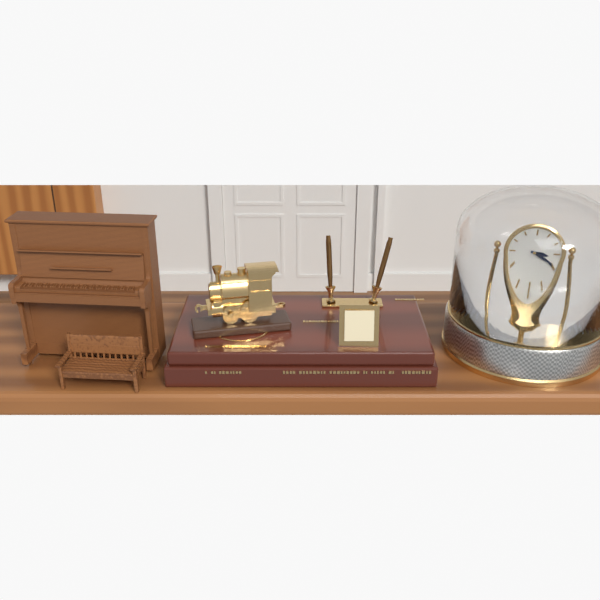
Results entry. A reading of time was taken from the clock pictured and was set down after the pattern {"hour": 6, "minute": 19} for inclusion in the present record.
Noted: {"hour": 3, "minute": 20}
